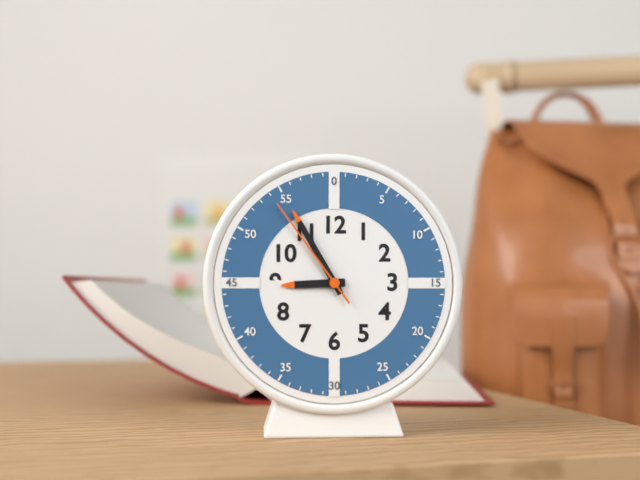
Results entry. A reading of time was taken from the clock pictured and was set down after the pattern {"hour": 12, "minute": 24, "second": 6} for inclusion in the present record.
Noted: {"hour": 8, "minute": 55, "second": 54}
